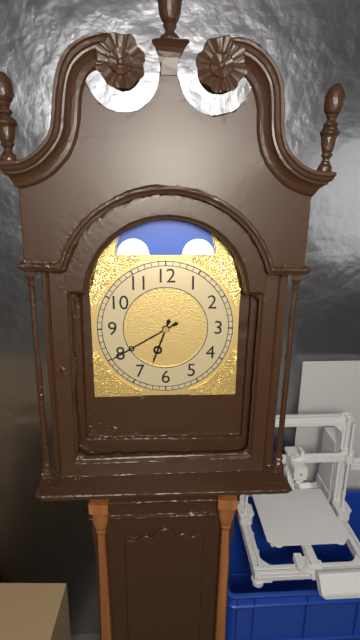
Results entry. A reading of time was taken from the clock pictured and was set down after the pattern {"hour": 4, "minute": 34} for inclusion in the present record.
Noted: {"hour": 6, "minute": 40}
